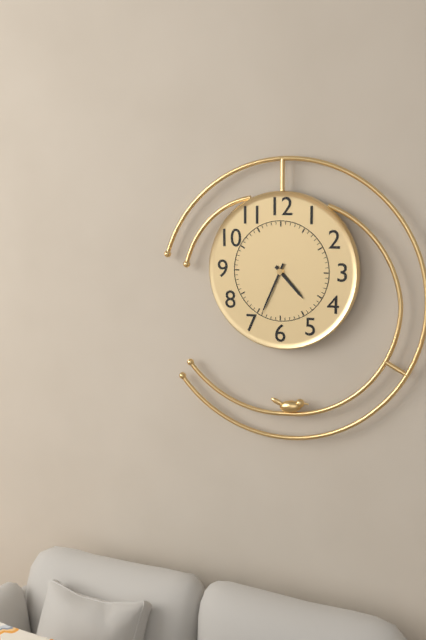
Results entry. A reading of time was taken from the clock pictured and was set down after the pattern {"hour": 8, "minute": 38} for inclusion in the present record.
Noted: {"hour": 4, "minute": 34}
